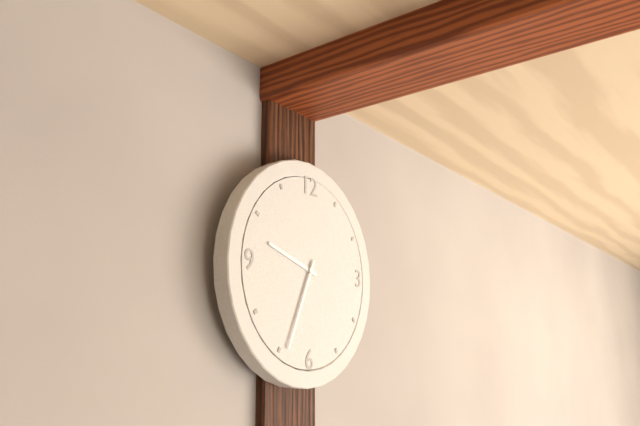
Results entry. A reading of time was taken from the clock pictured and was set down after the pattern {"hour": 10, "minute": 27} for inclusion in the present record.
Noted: {"hour": 9, "minute": 34}
